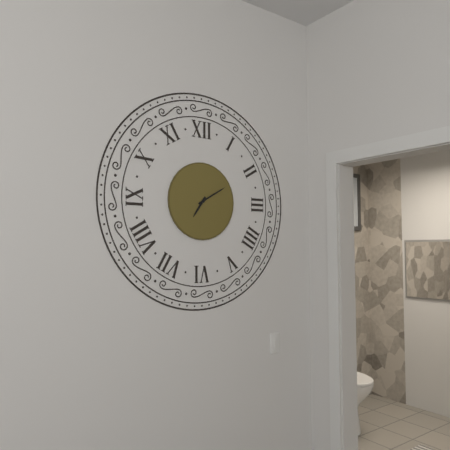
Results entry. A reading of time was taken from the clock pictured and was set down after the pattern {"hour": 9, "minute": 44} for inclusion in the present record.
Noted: {"hour": 7, "minute": 10}
